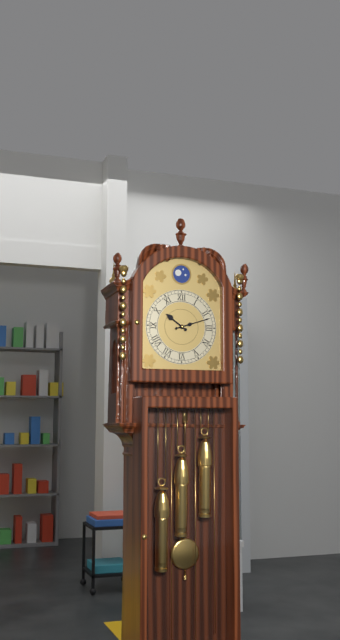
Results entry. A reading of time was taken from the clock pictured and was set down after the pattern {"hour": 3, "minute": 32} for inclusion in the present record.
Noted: {"hour": 10, "minute": 12}
